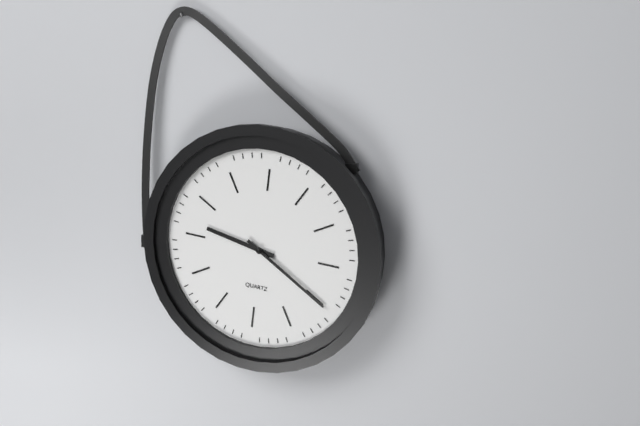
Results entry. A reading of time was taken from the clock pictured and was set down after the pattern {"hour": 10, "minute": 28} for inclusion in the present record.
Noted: {"hour": 9, "minute": 20}
